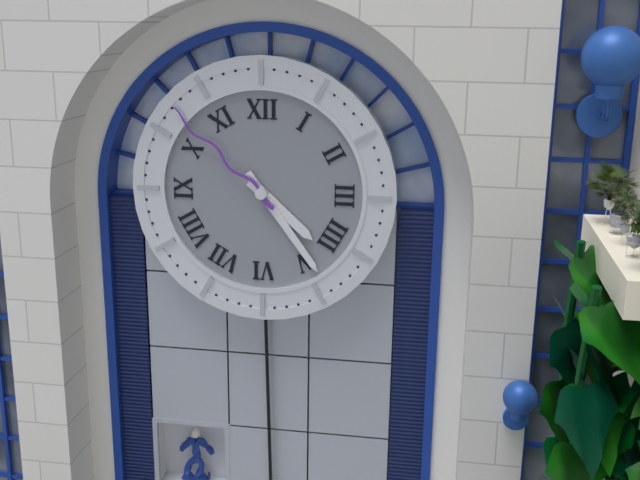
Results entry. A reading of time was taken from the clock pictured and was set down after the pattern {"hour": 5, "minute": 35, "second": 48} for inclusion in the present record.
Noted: {"hour": 4, "minute": 24, "second": 52}
